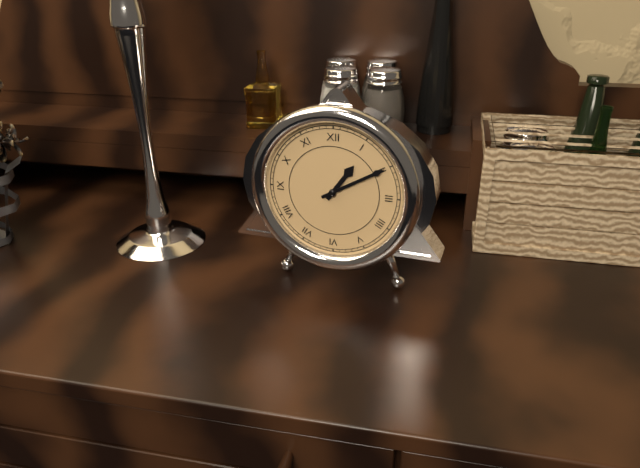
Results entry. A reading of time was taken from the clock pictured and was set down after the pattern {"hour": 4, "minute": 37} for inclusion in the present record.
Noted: {"hour": 1, "minute": 10}
